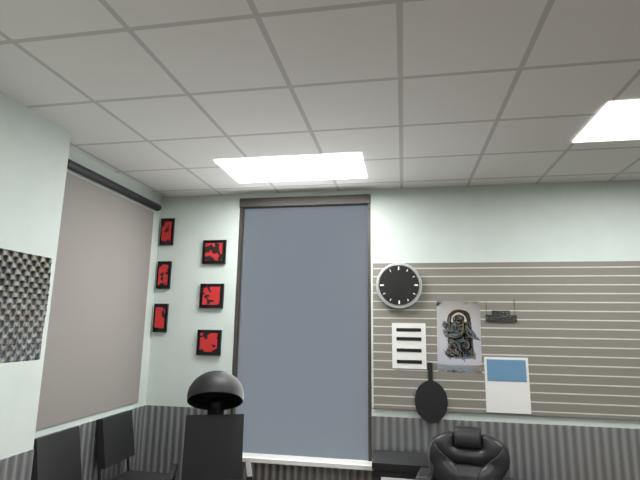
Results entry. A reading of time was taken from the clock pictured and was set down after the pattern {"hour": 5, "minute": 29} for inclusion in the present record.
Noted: {"hour": 5, "minute": 33}
